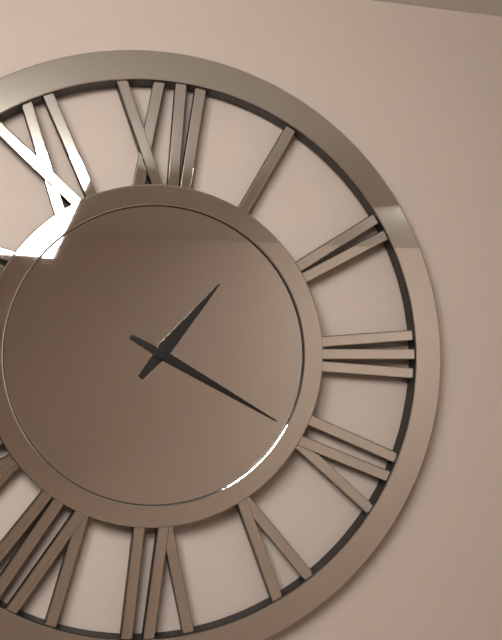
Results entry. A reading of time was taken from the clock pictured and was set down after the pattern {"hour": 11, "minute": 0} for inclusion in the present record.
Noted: {"hour": 1, "minute": 20}
